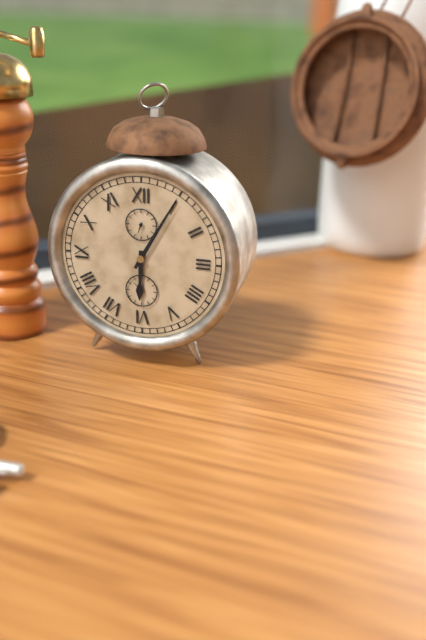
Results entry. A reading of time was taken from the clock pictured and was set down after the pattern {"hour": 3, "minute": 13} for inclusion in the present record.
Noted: {"hour": 6, "minute": 5}
